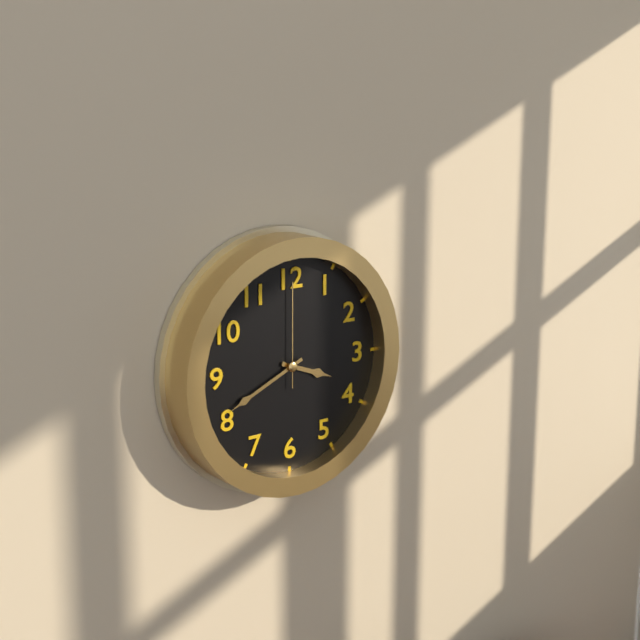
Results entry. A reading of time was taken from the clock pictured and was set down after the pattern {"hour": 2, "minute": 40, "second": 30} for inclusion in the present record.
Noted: {"hour": 3, "minute": 41, "second": 0}
